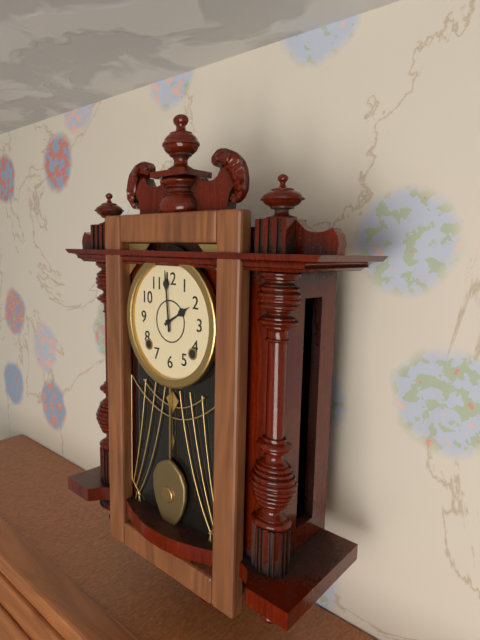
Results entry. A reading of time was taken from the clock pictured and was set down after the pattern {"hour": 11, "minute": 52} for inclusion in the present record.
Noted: {"hour": 1, "minute": 59}
